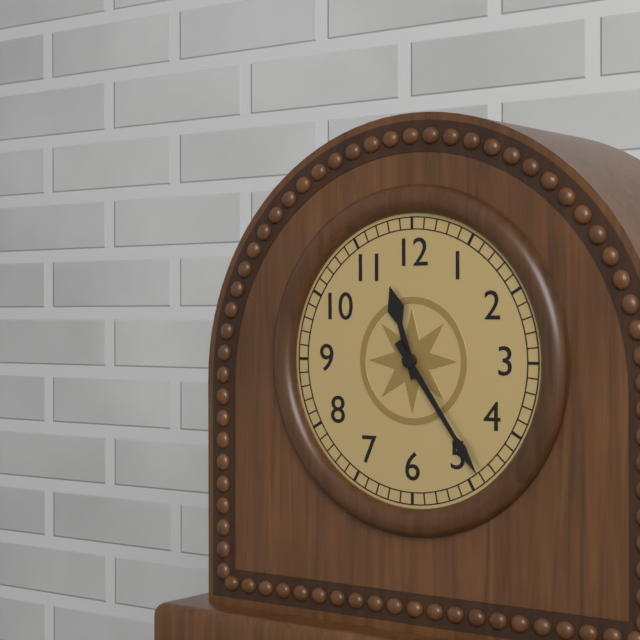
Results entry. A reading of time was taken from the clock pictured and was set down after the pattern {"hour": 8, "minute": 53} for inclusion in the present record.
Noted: {"hour": 11, "minute": 24}
